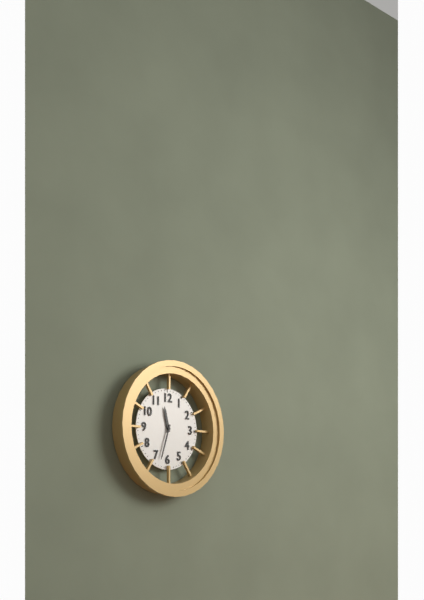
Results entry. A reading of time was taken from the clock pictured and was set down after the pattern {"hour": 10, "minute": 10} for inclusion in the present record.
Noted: {"hour": 11, "minute": 33}
